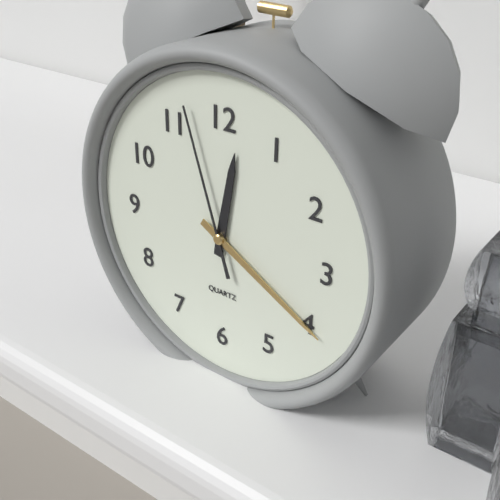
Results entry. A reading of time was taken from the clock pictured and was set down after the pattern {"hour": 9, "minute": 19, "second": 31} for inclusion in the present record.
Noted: {"hour": 12, "minute": 20, "second": 57}
